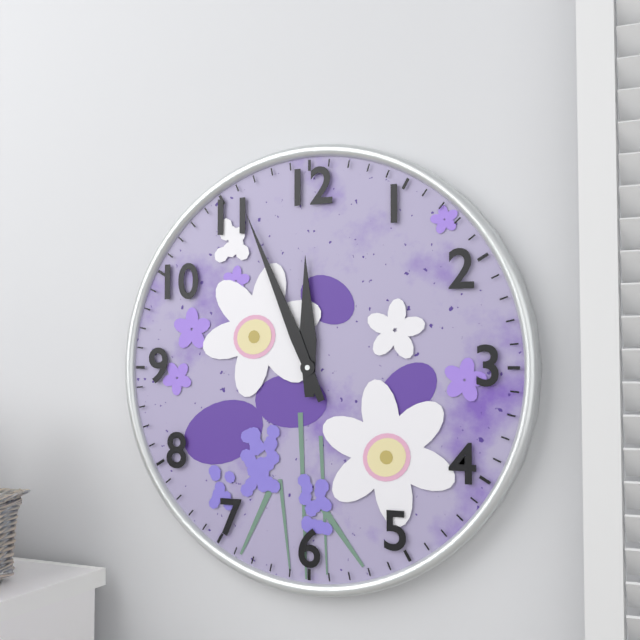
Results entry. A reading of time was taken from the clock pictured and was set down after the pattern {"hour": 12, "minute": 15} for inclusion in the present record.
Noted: {"hour": 11, "minute": 56}
